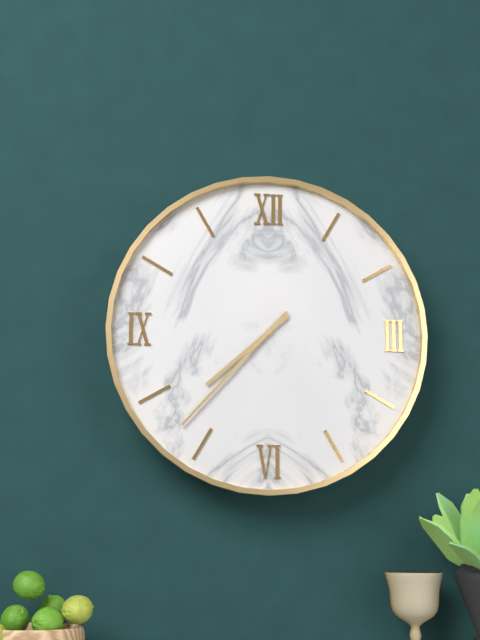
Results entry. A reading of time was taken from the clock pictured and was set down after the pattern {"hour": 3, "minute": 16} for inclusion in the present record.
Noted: {"hour": 7, "minute": 37}
